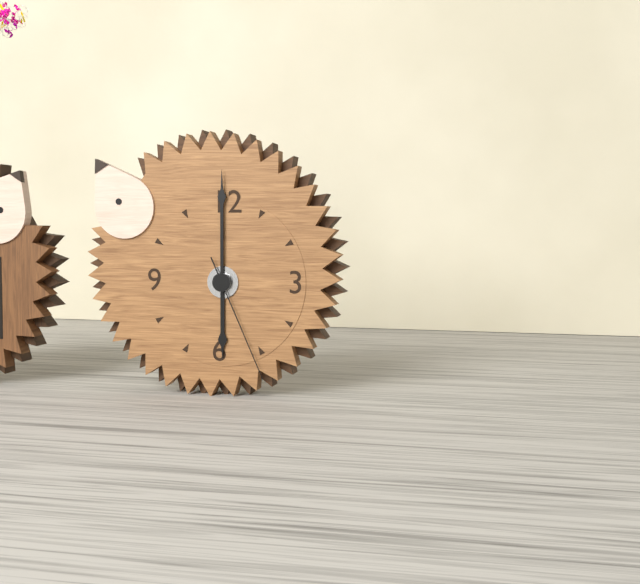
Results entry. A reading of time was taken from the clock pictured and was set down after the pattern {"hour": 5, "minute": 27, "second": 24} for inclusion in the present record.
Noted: {"hour": 6, "minute": 0, "second": 26}
